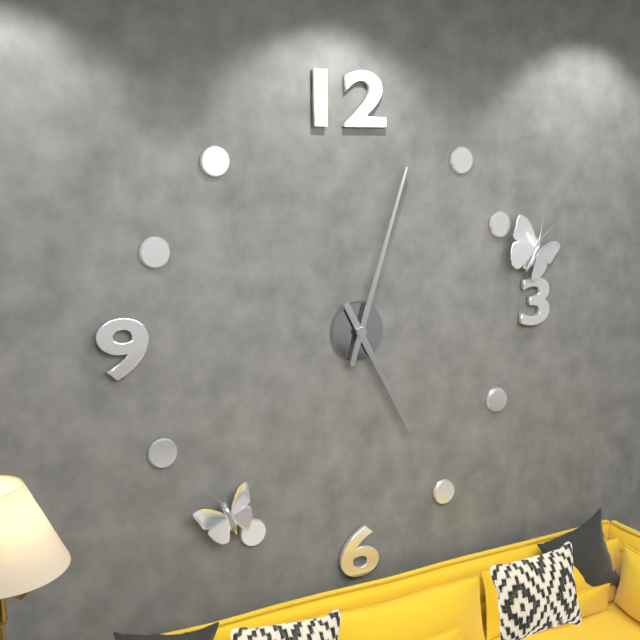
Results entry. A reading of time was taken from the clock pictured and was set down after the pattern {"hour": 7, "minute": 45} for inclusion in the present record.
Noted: {"hour": 5, "minute": 3}
